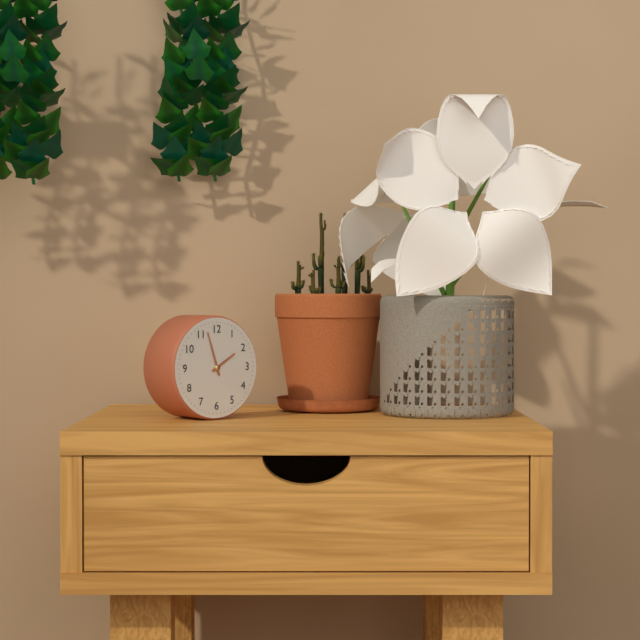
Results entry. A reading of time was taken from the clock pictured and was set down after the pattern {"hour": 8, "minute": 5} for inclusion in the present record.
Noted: {"hour": 1, "minute": 57}
